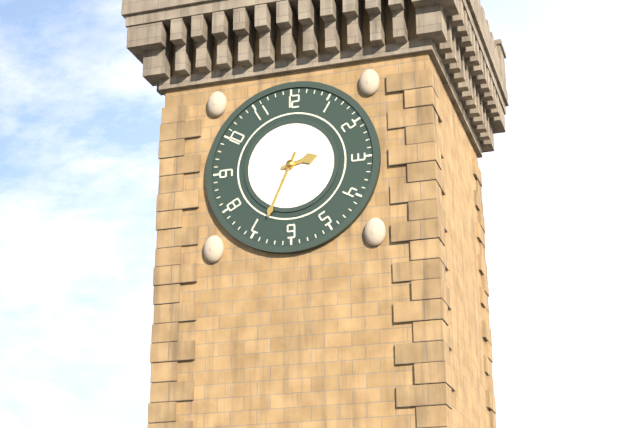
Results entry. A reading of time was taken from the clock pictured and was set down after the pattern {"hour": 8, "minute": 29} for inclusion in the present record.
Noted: {"hour": 2, "minute": 34}
